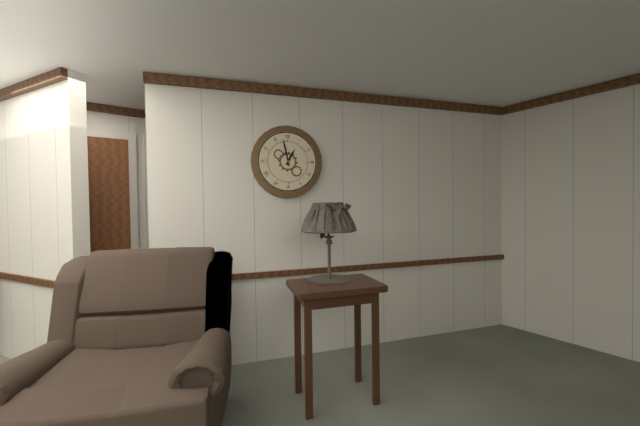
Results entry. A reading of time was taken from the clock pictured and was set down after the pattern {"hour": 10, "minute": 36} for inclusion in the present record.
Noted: {"hour": 12, "minute": 58}
